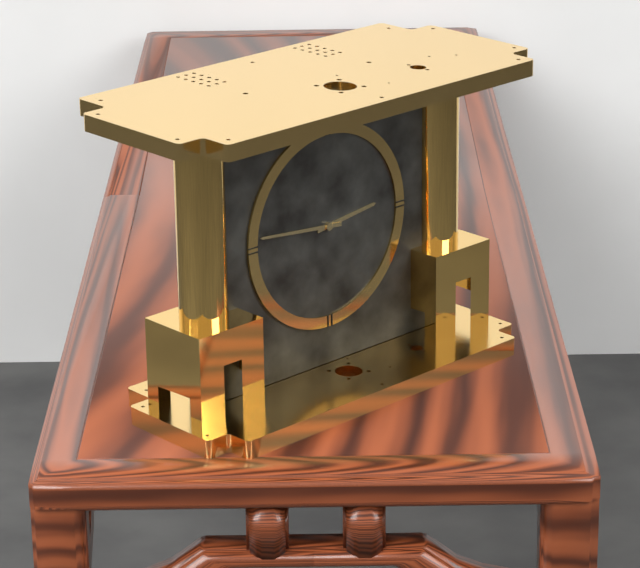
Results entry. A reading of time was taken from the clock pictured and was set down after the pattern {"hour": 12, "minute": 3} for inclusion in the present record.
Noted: {"hour": 2, "minute": 46}
